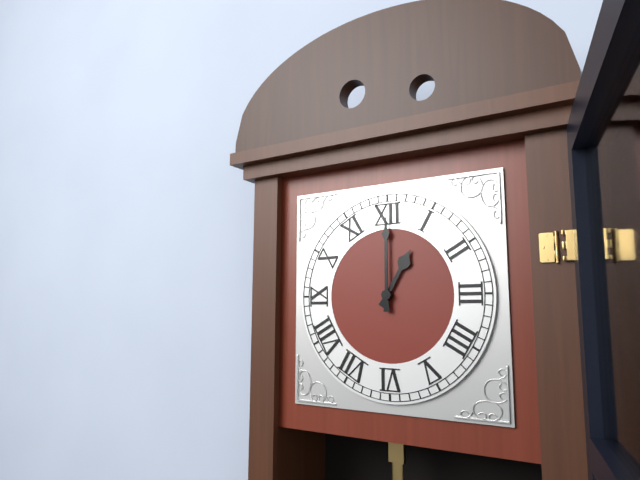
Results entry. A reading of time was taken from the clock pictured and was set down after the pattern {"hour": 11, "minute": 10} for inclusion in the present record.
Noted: {"hour": 1, "minute": 0}
